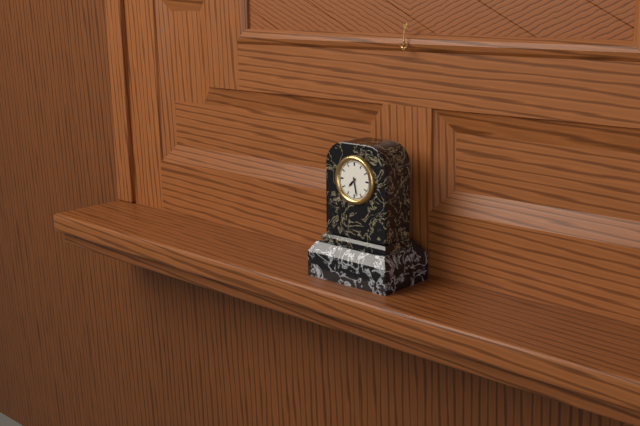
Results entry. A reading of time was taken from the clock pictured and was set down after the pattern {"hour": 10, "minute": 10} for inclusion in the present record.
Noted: {"hour": 7, "minute": 28}
